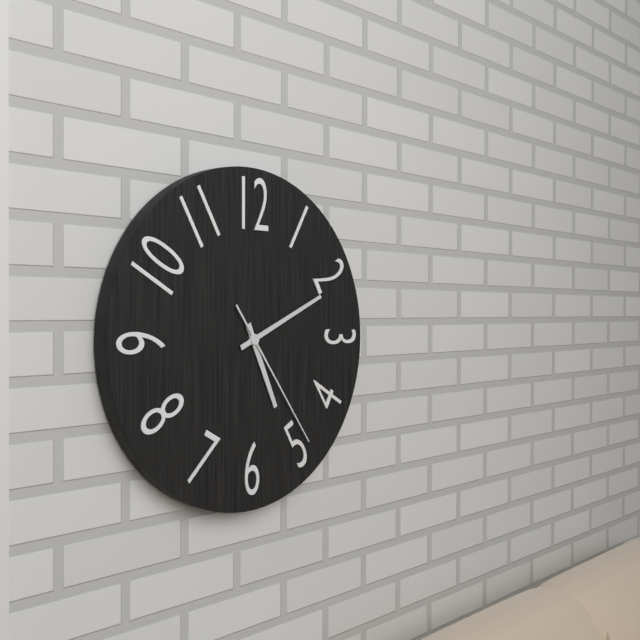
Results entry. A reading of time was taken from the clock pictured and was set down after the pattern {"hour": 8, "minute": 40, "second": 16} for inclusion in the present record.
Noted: {"hour": 5, "minute": 11, "second": 24}
